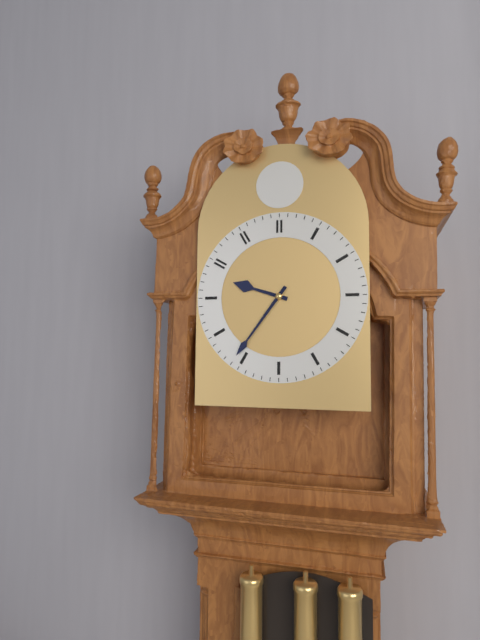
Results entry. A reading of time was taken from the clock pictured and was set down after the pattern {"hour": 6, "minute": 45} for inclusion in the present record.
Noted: {"hour": 9, "minute": 36}
